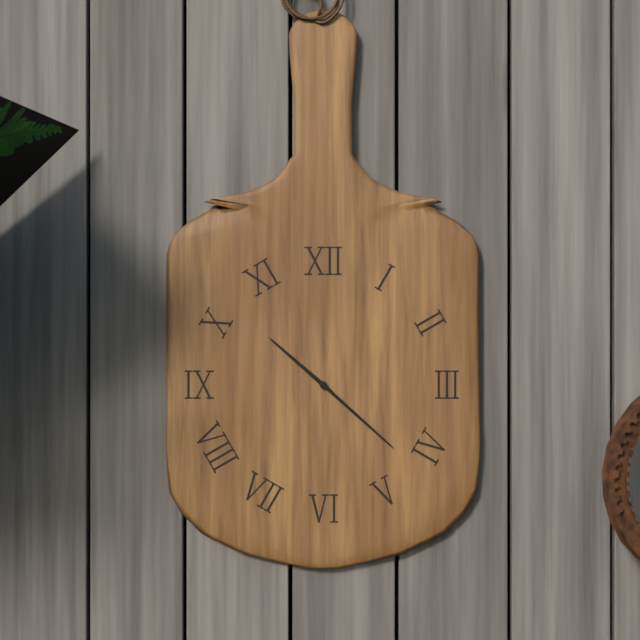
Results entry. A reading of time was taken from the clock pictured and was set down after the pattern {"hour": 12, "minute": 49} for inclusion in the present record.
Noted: {"hour": 10, "minute": 22}
